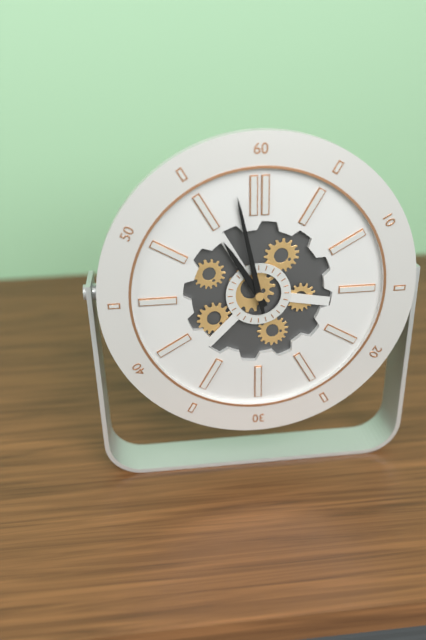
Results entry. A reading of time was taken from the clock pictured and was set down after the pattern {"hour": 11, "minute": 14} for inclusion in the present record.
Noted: {"hour": 10, "minute": 58}
